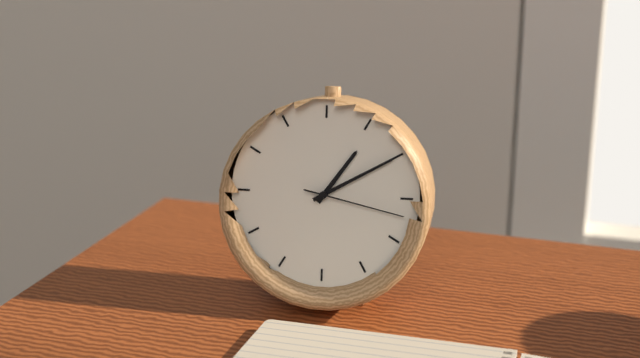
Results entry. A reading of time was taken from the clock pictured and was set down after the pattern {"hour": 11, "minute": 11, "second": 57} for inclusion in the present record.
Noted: {"hour": 1, "minute": 10, "second": 17}
